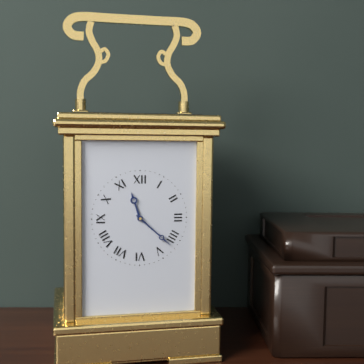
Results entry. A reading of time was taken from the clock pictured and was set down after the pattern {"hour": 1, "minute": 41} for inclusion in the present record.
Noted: {"hour": 11, "minute": 22}
